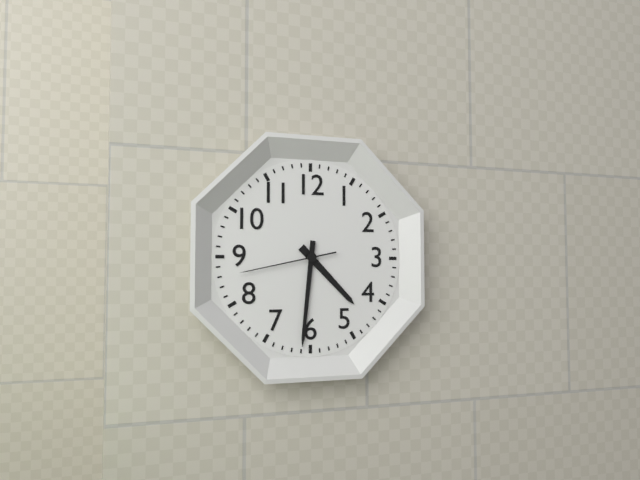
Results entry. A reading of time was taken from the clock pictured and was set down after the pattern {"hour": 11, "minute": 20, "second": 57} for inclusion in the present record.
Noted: {"hour": 4, "minute": 31, "second": 43}
